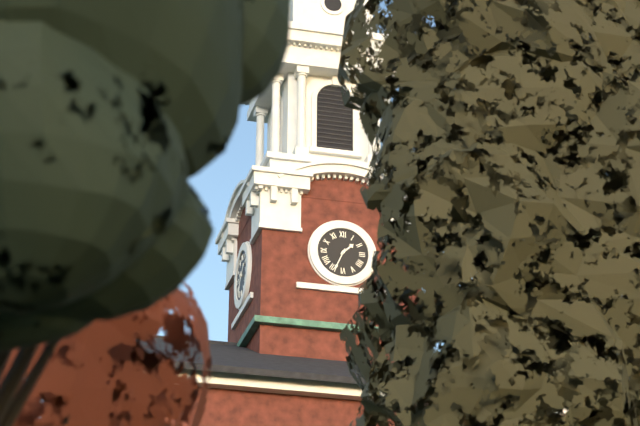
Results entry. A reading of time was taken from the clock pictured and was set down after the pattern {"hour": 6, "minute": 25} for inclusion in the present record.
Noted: {"hour": 1, "minute": 34}
